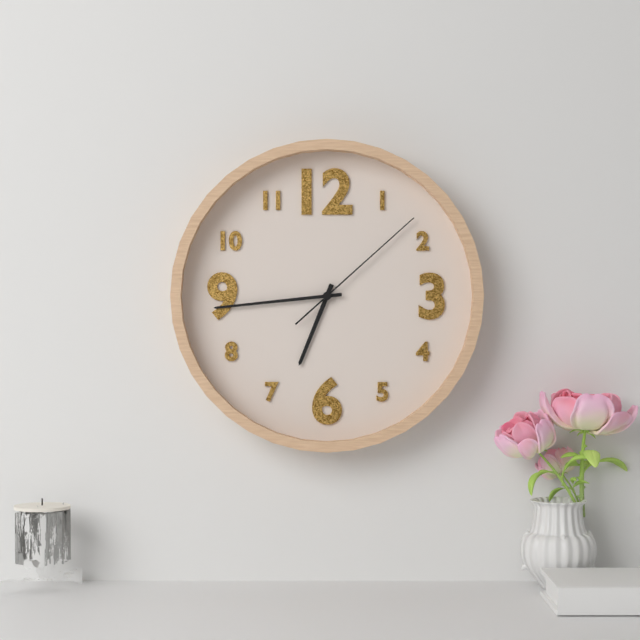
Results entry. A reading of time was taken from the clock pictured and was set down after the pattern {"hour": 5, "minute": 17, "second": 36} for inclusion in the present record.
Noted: {"hour": 6, "minute": 44, "second": 8}
